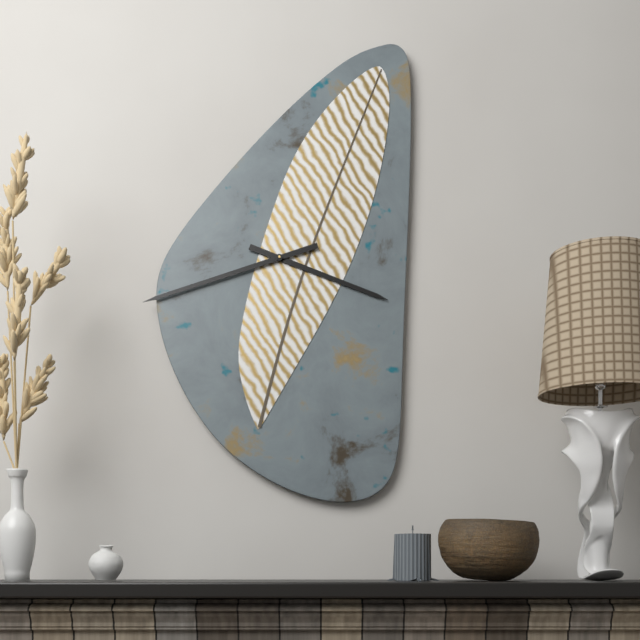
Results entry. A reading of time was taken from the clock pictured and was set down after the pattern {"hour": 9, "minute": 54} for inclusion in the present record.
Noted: {"hour": 3, "minute": 42}
